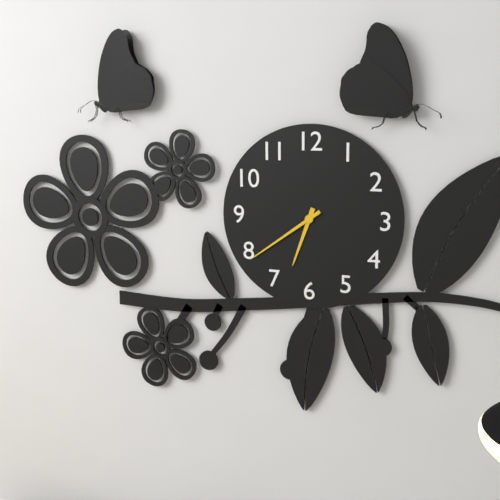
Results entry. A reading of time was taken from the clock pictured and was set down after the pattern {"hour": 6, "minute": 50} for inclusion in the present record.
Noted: {"hour": 6, "minute": 39}
